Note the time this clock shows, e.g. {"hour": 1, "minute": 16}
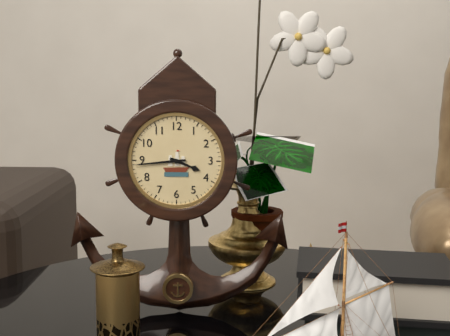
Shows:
{"hour": 3, "minute": 44}
